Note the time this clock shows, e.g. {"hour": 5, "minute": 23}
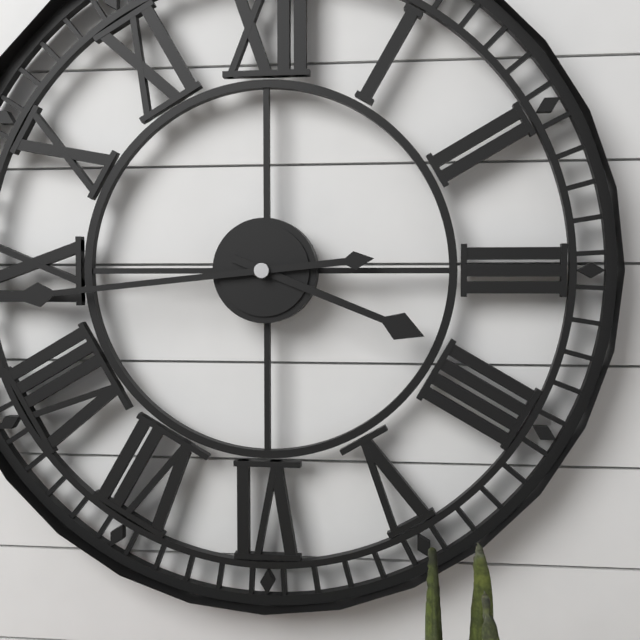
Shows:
{"hour": 3, "minute": 44}
